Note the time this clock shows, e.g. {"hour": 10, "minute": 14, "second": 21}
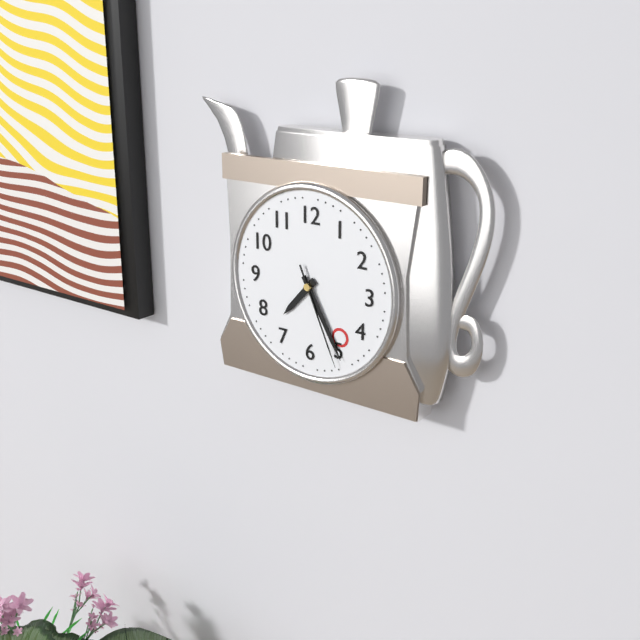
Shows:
{"hour": 7, "minute": 25, "second": 26}
